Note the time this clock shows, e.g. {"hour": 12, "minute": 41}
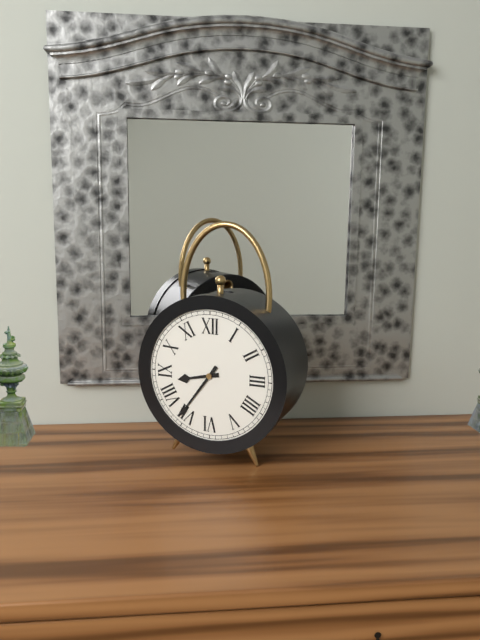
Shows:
{"hour": 8, "minute": 36}
